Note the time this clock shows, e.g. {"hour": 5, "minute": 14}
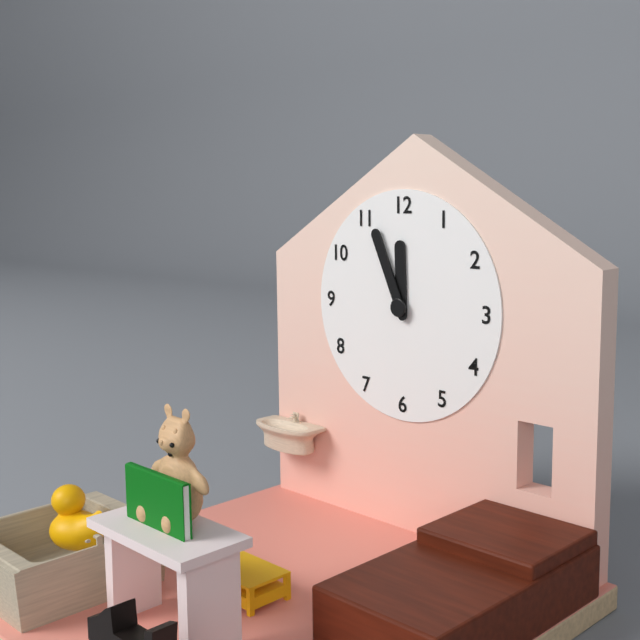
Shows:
{"hour": 11, "minute": 56}
